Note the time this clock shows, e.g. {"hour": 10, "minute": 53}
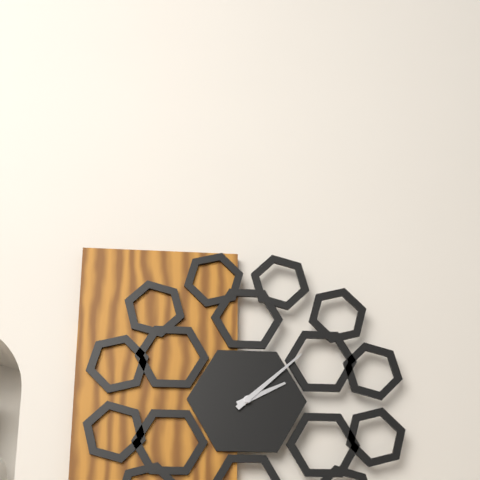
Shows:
{"hour": 2, "minute": 8}
